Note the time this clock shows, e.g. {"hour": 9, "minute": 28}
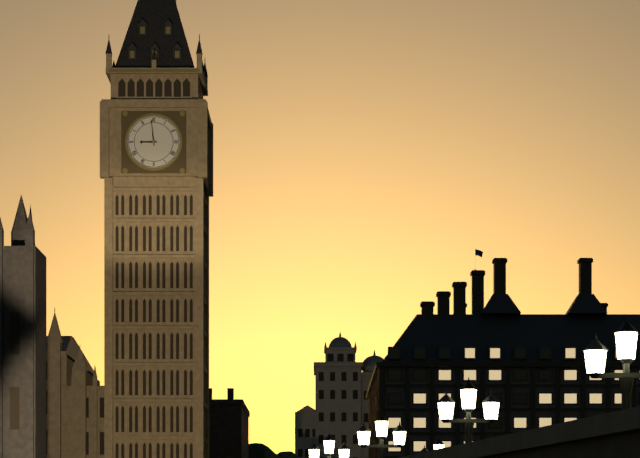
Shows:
{"hour": 8, "minute": 59}
